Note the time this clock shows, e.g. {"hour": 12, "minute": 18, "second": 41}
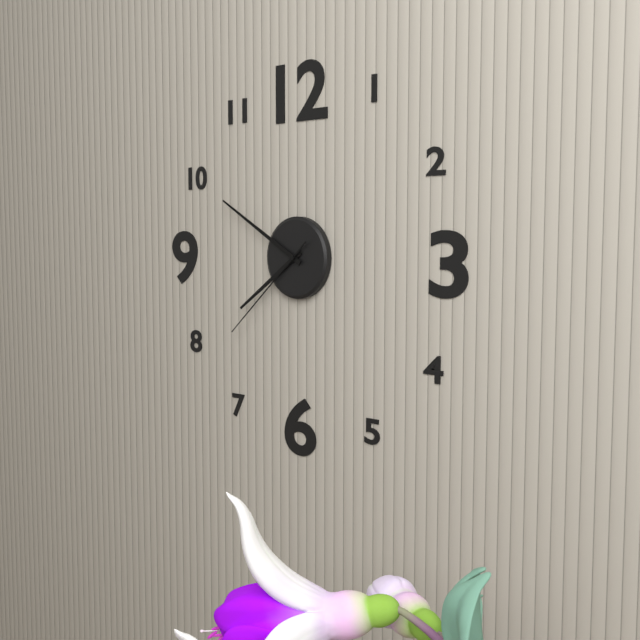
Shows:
{"hour": 7, "minute": 50, "second": 38}
